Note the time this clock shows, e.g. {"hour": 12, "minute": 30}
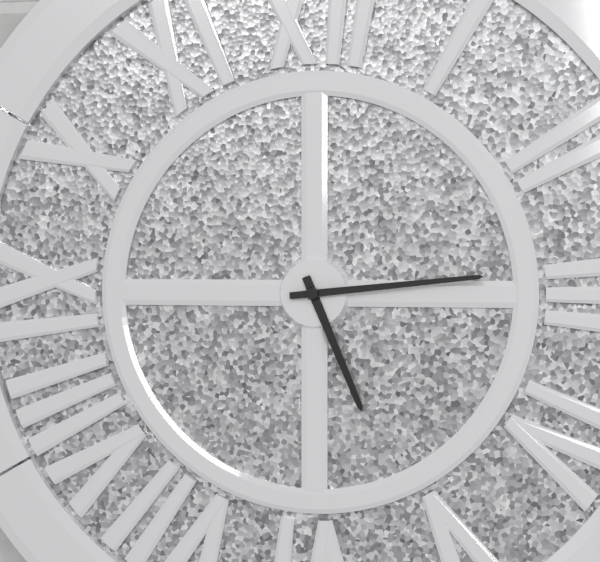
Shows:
{"hour": 5, "minute": 14}
